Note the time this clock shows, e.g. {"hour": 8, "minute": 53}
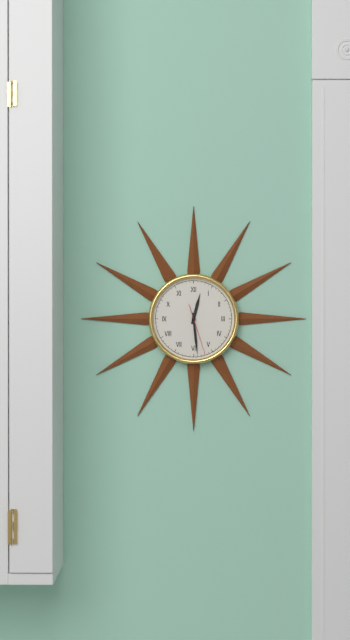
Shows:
{"hour": 12, "minute": 29}
